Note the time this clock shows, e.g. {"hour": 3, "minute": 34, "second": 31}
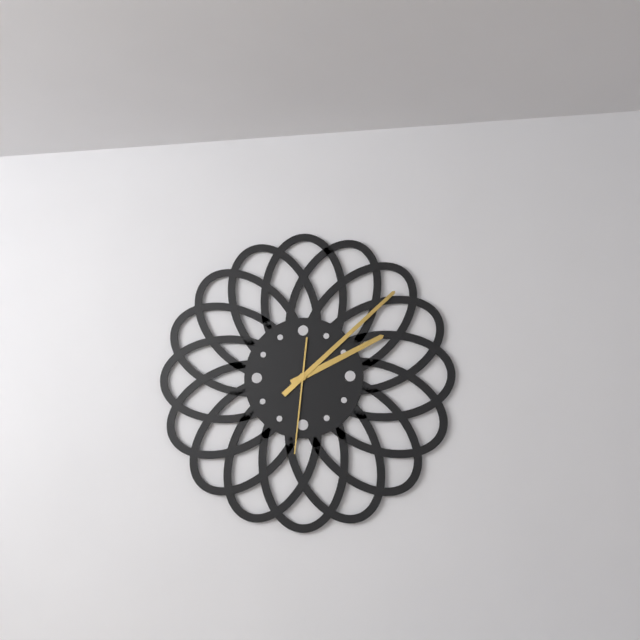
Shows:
{"hour": 2, "minute": 8, "second": 31}
